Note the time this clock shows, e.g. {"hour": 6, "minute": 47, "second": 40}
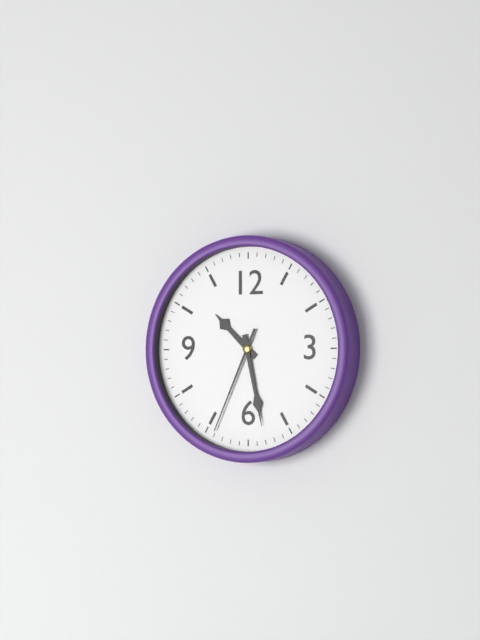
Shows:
{"hour": 10, "minute": 28, "second": 34}
